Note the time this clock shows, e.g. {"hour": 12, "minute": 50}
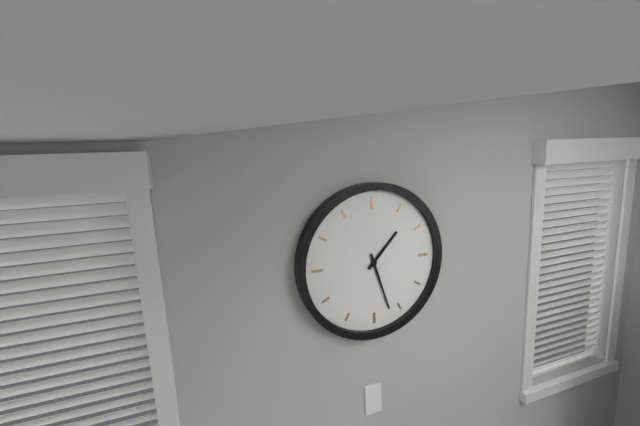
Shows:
{"hour": 1, "minute": 27}
